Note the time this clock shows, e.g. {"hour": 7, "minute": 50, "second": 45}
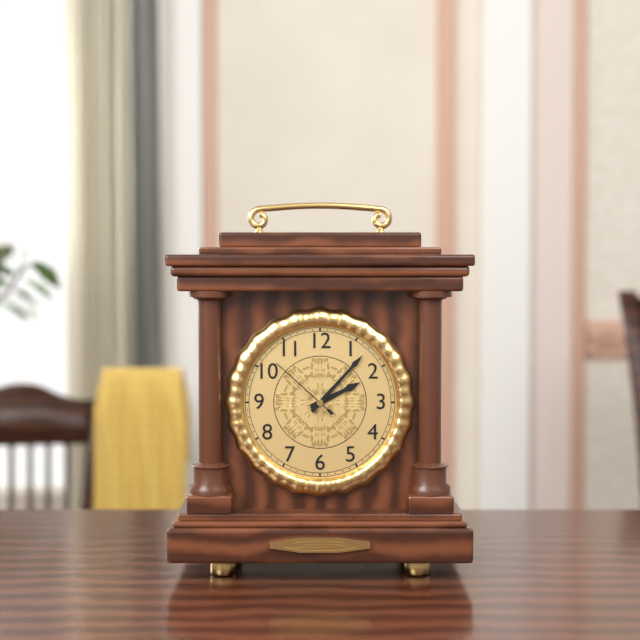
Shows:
{"hour": 2, "minute": 7, "second": 52}
